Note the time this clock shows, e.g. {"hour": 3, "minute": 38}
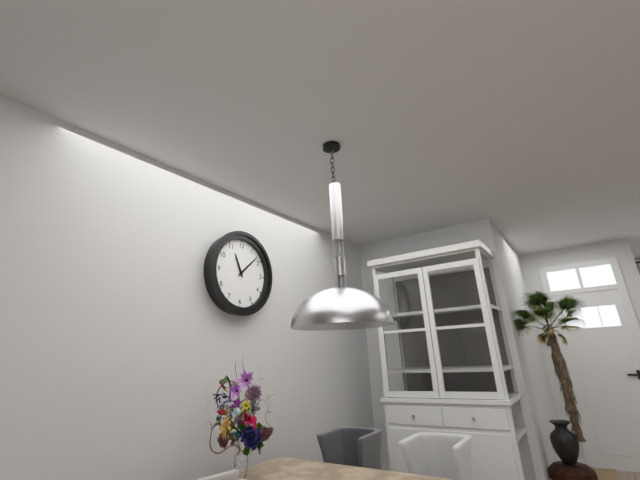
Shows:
{"hour": 11, "minute": 8}
